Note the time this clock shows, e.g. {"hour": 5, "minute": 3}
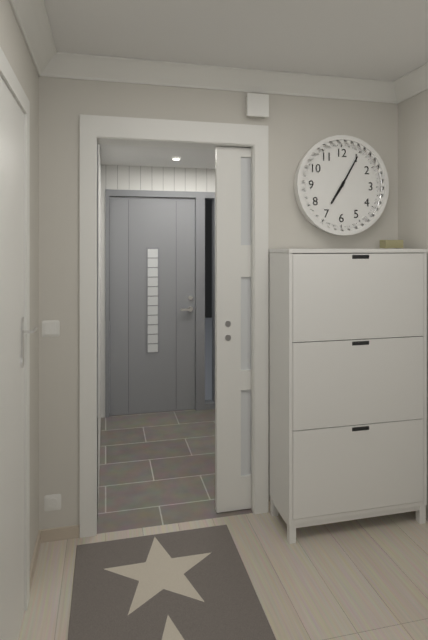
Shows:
{"hour": 7, "minute": 5}
